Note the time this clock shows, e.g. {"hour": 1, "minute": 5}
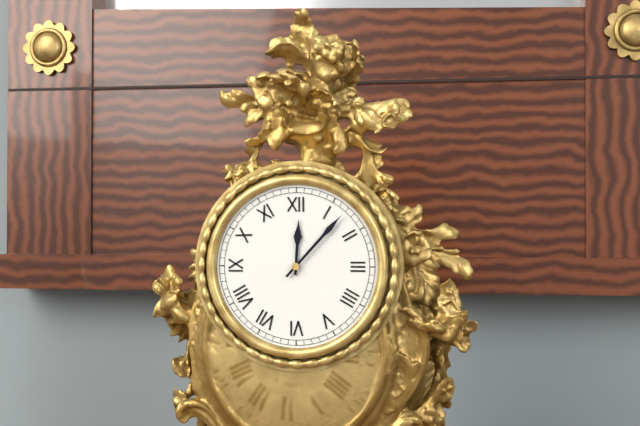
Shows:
{"hour": 12, "minute": 7}
